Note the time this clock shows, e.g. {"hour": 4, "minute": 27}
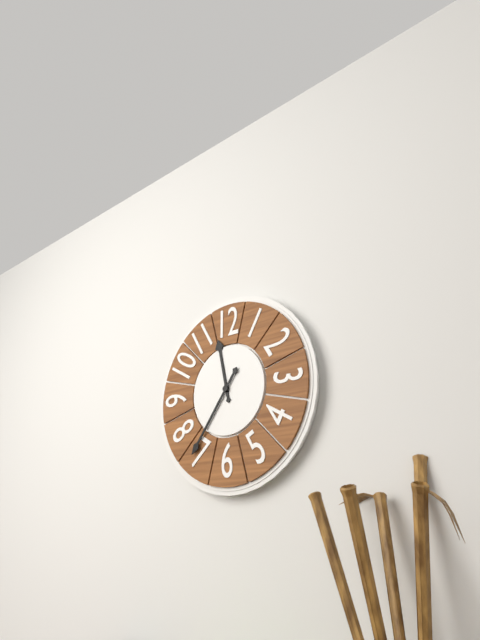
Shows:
{"hour": 11, "minute": 36}
